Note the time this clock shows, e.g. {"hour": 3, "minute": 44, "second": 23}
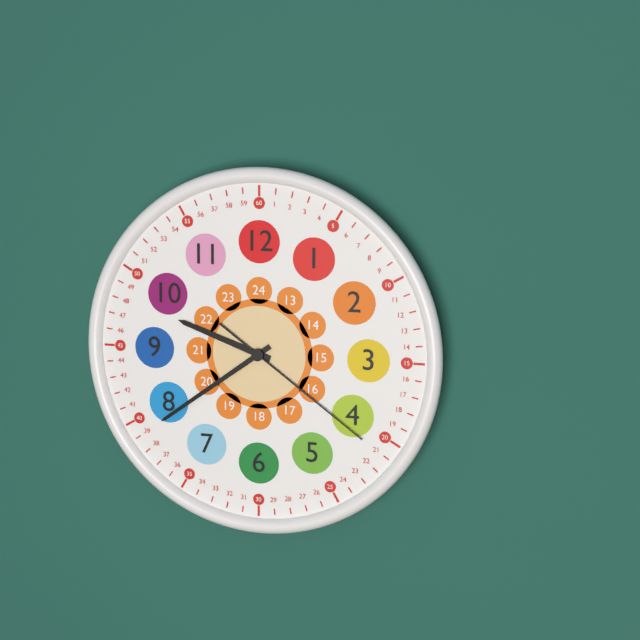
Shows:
{"hour": 9, "minute": 39, "second": 21}
